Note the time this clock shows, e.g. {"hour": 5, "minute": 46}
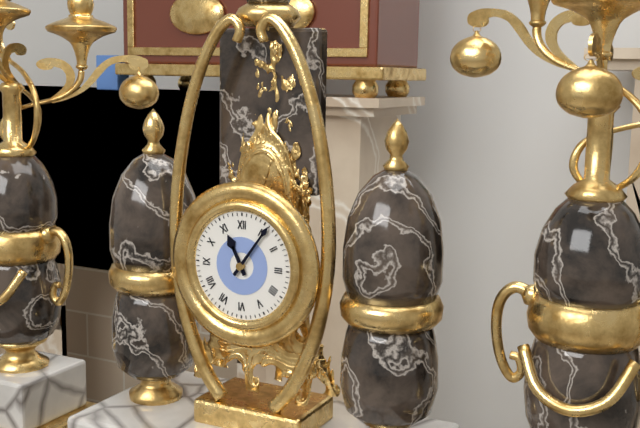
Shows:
{"hour": 11, "minute": 6}
